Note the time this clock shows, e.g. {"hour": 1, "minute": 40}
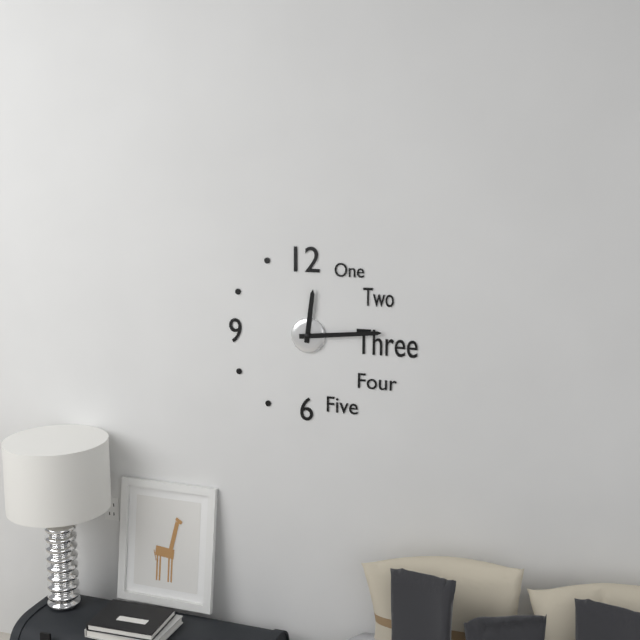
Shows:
{"hour": 12, "minute": 14}
